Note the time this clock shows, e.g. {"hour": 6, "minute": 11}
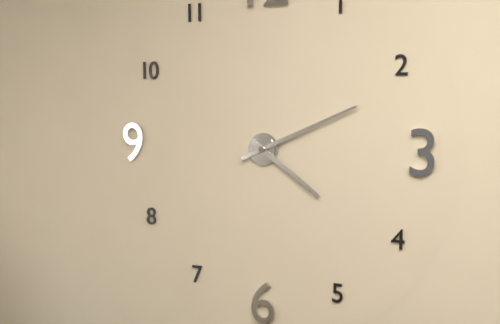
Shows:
{"hour": 4, "minute": 11}
